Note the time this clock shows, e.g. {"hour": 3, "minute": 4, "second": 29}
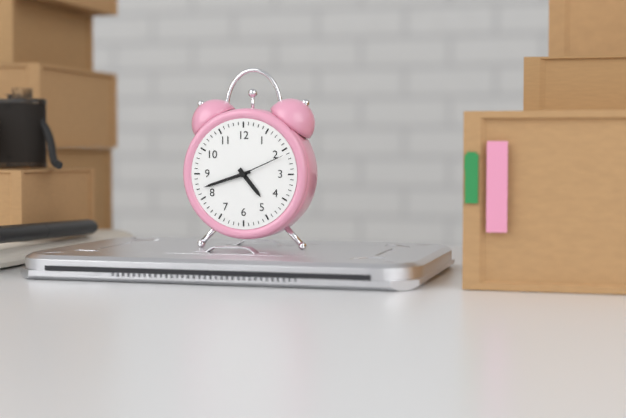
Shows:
{"hour": 4, "minute": 42, "second": 11}
